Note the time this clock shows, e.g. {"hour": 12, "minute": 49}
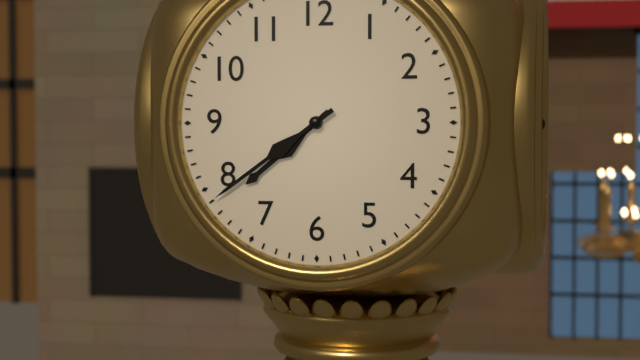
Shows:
{"hour": 7, "minute": 39}
